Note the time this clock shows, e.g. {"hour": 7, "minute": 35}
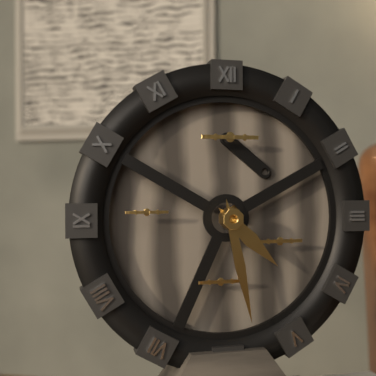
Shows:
{"hour": 4, "minute": 28}
